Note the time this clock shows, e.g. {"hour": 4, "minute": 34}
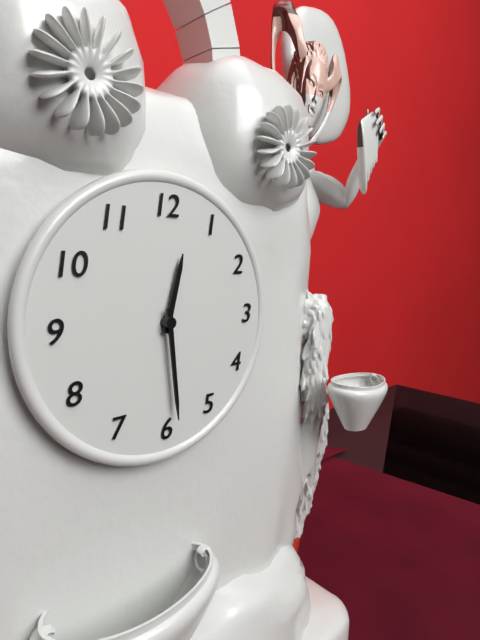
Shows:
{"hour": 12, "minute": 29}
